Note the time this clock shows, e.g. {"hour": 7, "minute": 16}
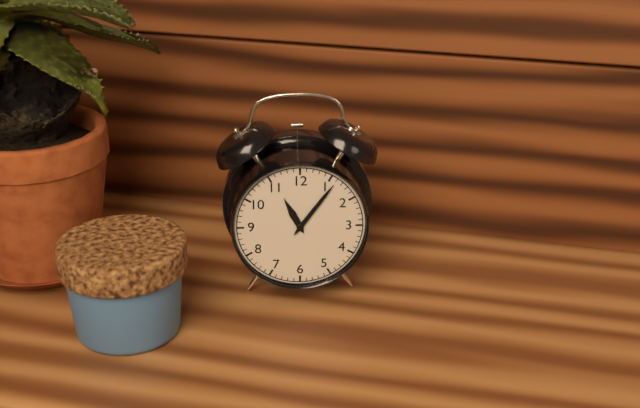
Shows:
{"hour": 11, "minute": 6}
